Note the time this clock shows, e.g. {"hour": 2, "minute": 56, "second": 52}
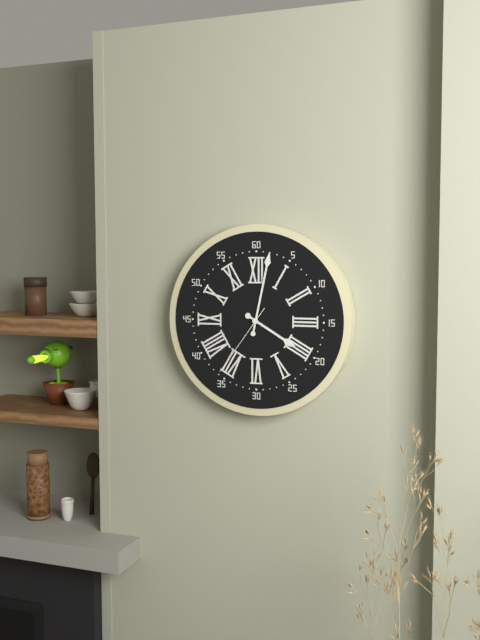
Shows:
{"hour": 4, "minute": 2, "second": 36}
